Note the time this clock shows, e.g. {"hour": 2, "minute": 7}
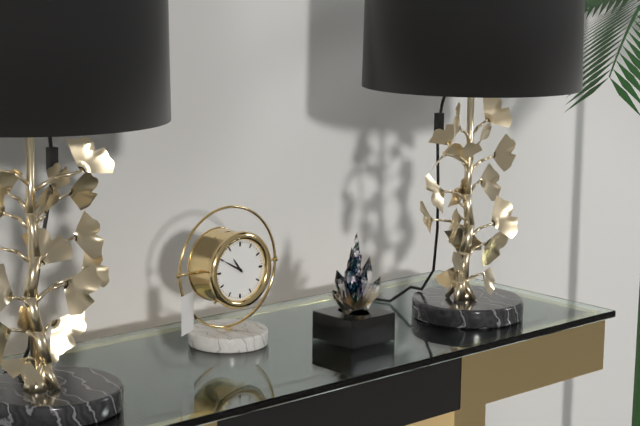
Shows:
{"hour": 10, "minute": 50}
